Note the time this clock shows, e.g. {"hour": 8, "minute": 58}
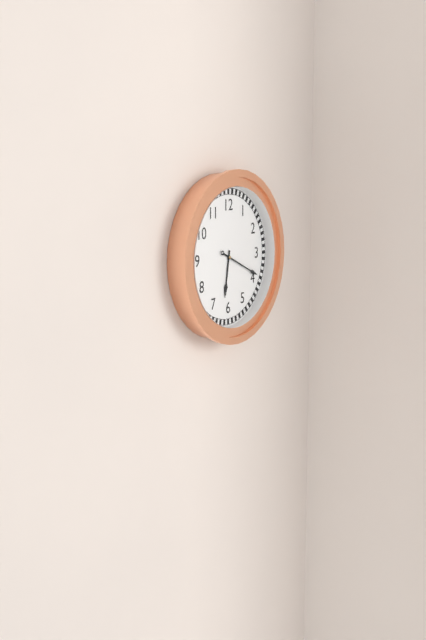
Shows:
{"hour": 6, "minute": 19}
